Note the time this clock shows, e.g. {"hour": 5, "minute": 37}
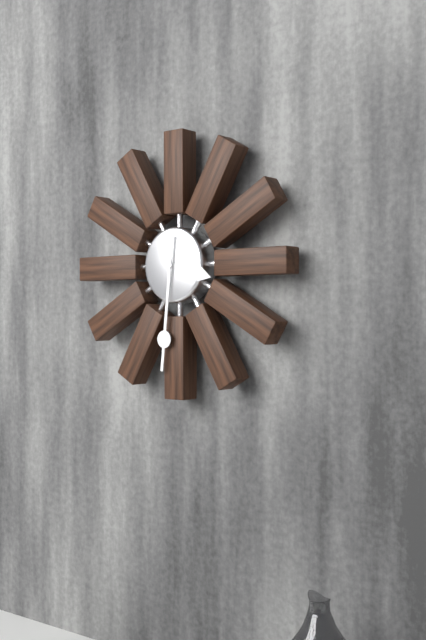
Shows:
{"hour": 3, "minute": 31}
